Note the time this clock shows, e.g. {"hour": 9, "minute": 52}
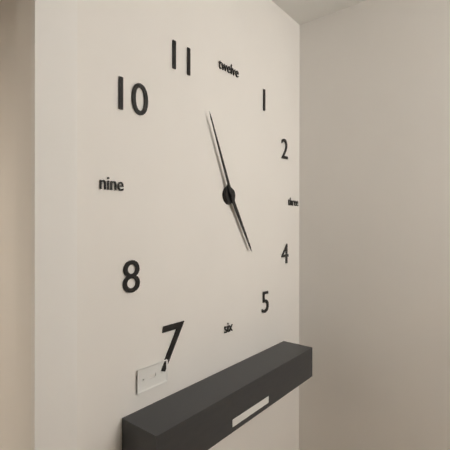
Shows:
{"hour": 4, "minute": 56}
